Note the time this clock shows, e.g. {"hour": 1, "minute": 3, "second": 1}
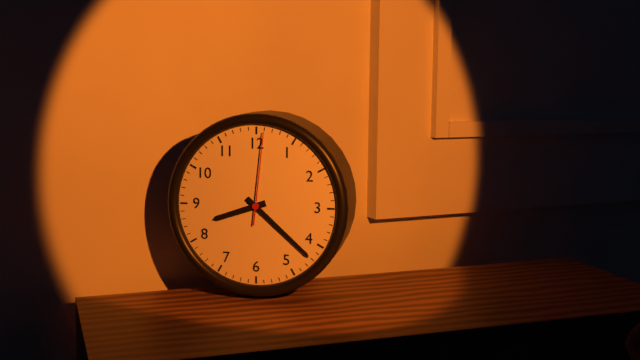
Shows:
{"hour": 8, "minute": 22, "second": 1}
